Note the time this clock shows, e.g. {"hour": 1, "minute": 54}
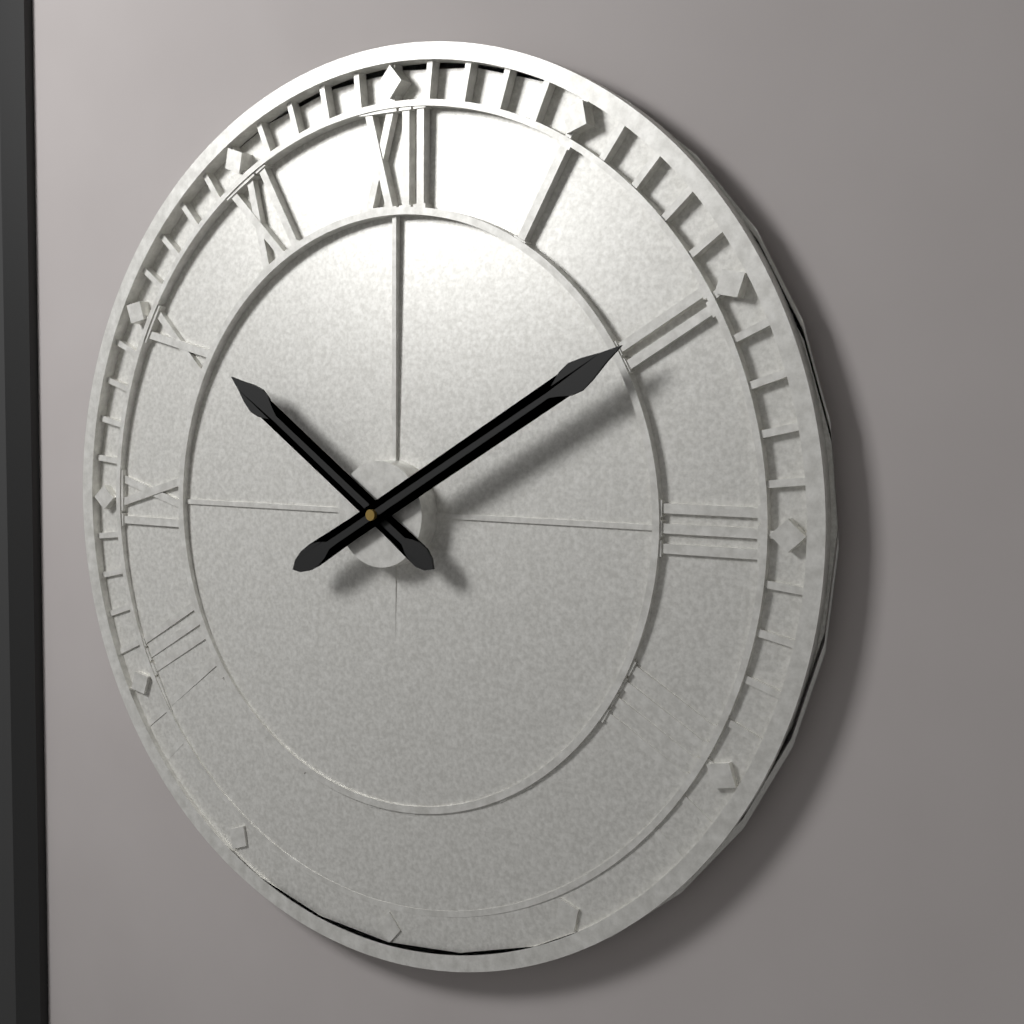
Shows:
{"hour": 10, "minute": 10}
